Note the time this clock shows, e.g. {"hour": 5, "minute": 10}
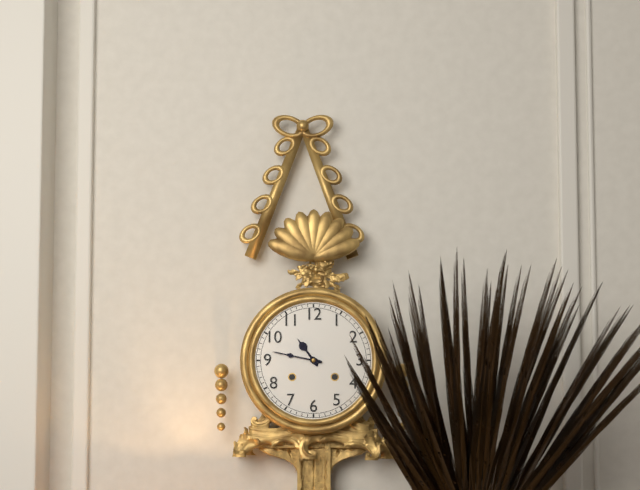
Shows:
{"hour": 10, "minute": 47}
